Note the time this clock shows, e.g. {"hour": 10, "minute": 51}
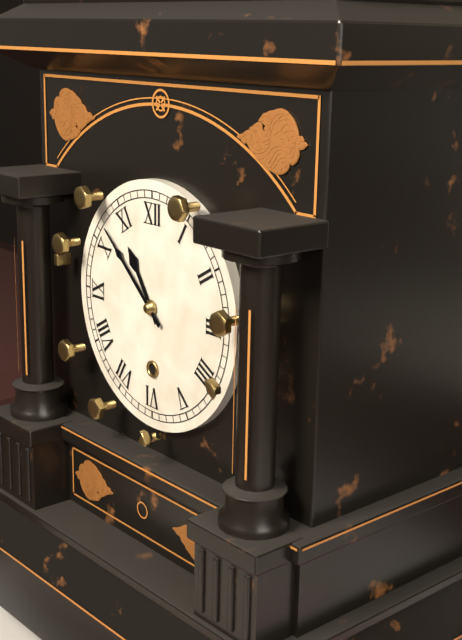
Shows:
{"hour": 10, "minute": 52}
